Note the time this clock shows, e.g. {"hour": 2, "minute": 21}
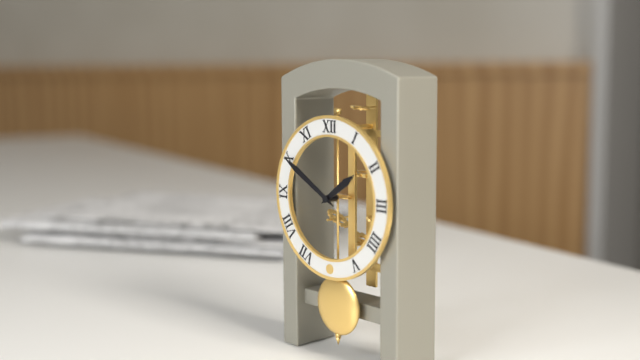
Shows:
{"hour": 1, "minute": 50}
